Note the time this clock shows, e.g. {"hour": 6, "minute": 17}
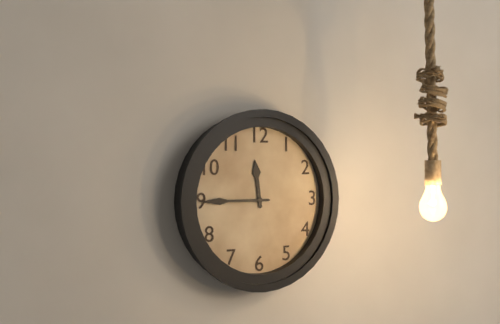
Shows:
{"hour": 11, "minute": 45}
